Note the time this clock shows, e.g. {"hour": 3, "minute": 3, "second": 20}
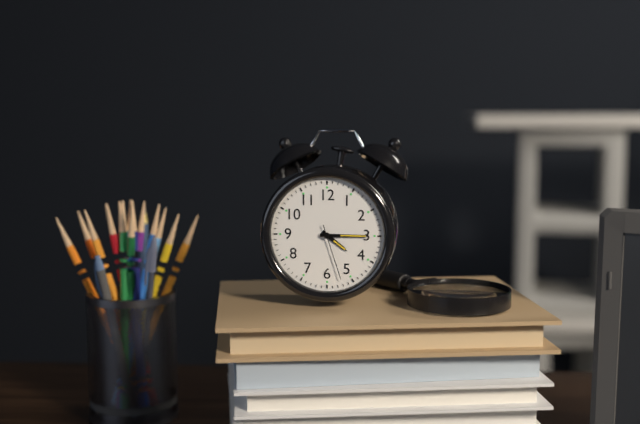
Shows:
{"hour": 4, "minute": 15, "second": 27}
